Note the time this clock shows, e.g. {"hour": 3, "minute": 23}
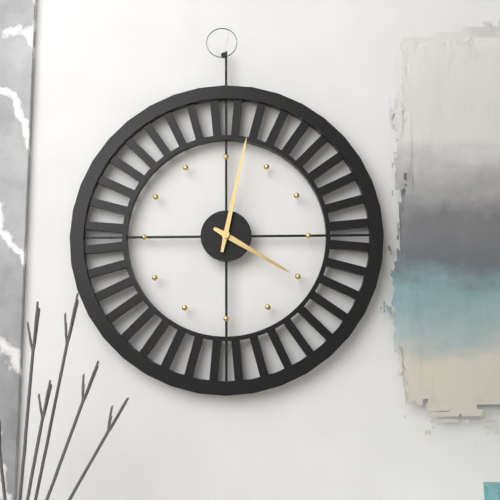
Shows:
{"hour": 4, "minute": 2}
